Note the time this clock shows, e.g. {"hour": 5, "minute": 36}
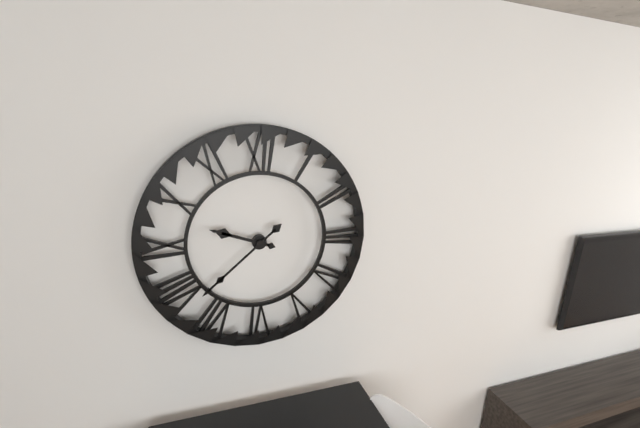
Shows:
{"hour": 9, "minute": 38}
